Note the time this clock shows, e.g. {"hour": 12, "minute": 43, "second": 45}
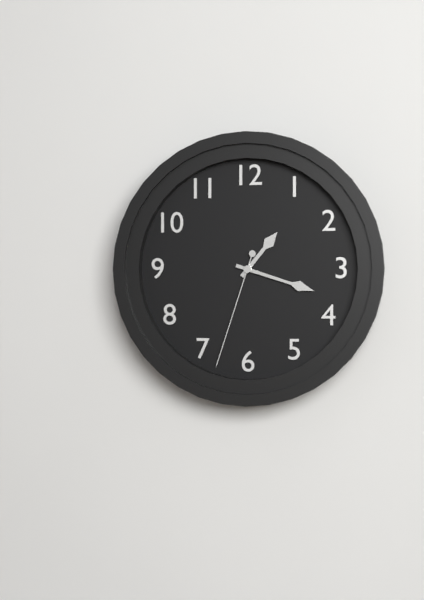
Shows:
{"hour": 1, "minute": 18, "second": 33}
